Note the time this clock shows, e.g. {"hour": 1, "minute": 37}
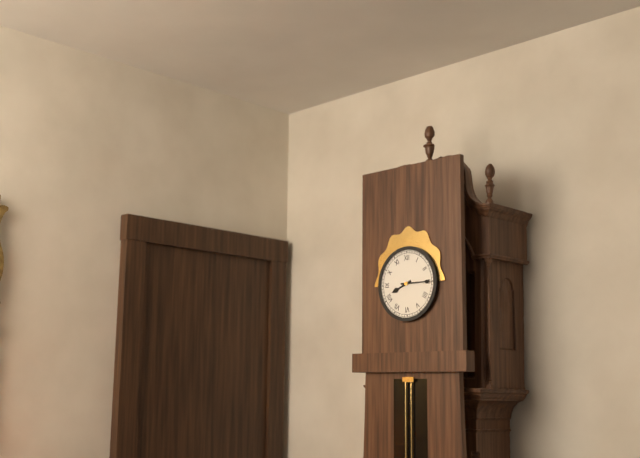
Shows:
{"hour": 8, "minute": 15}
